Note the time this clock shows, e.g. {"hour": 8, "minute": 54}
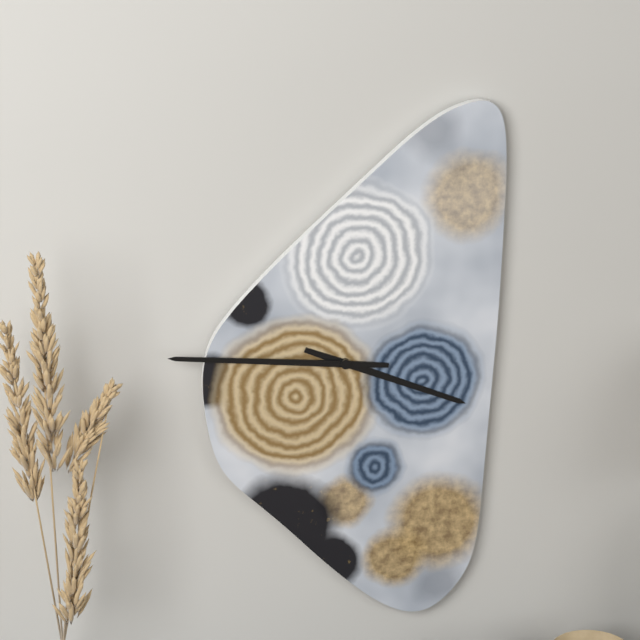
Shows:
{"hour": 3, "minute": 46}
